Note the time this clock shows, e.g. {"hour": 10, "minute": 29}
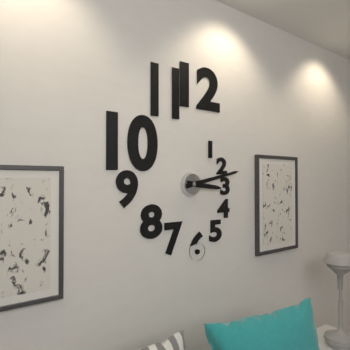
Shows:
{"hour": 3, "minute": 13}
